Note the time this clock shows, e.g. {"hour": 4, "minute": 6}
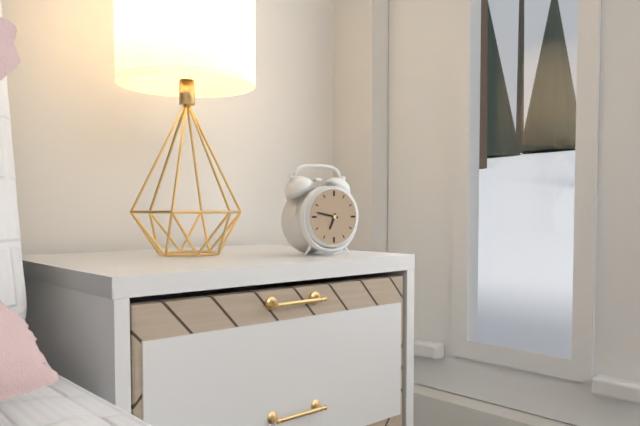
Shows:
{"hour": 6, "minute": 47}
